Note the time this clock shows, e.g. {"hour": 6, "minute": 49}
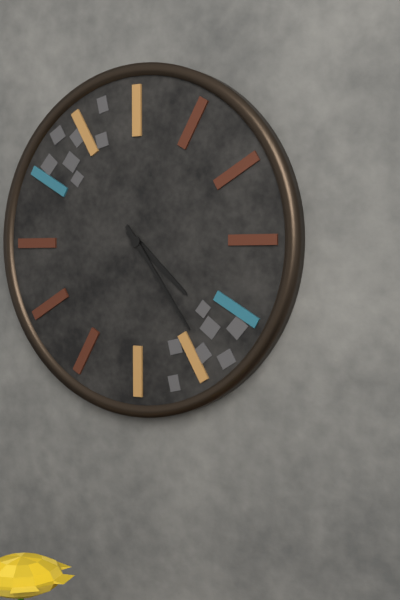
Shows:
{"hour": 4, "minute": 24}
